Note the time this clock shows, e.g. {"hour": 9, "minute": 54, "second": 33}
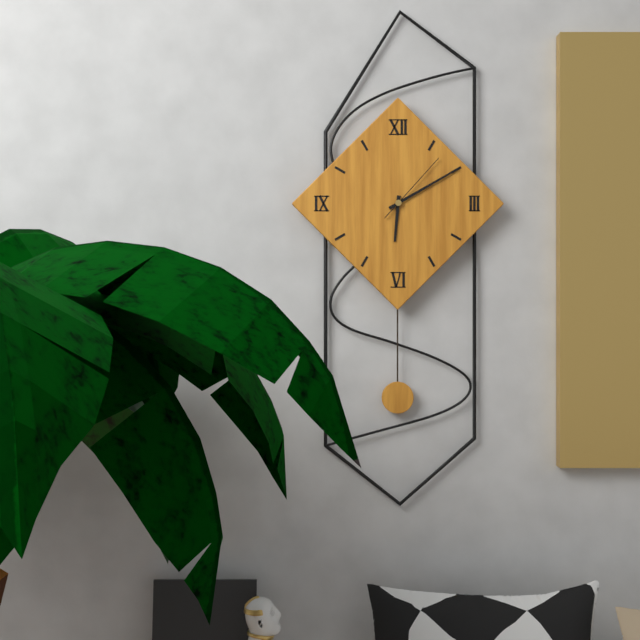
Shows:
{"hour": 6, "minute": 10, "second": 7}
